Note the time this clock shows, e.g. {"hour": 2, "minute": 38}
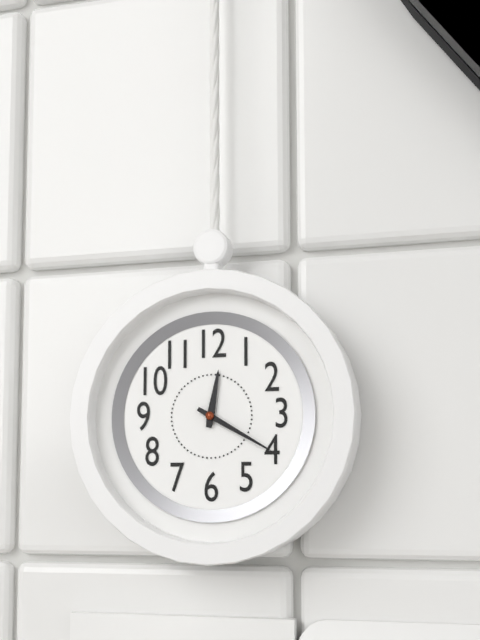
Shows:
{"hour": 12, "minute": 20}
